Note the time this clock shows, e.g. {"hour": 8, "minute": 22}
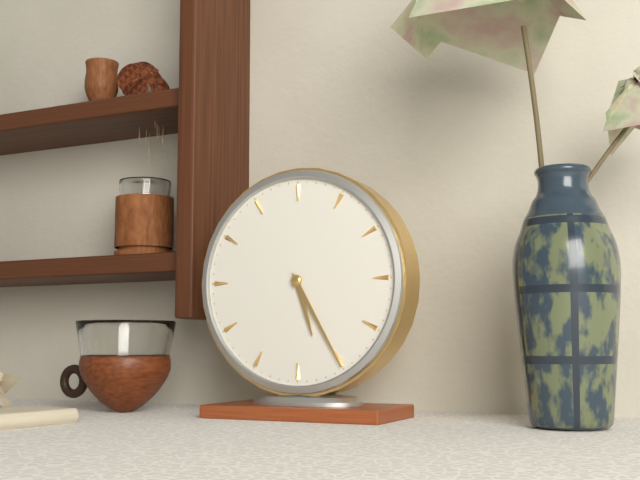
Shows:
{"hour": 5, "minute": 25}
